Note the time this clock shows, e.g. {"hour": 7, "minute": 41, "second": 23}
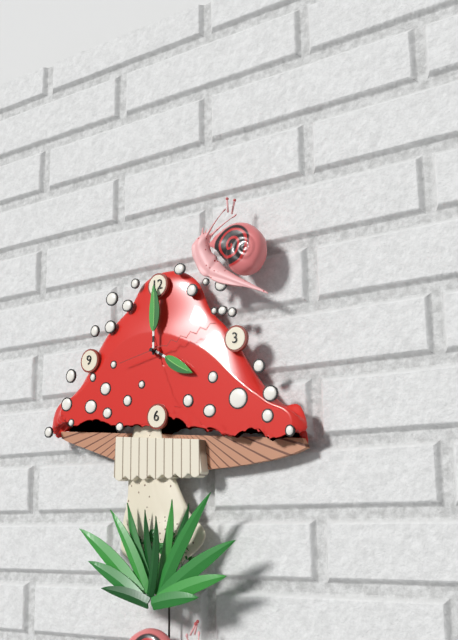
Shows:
{"hour": 4, "minute": 0, "second": 13}
